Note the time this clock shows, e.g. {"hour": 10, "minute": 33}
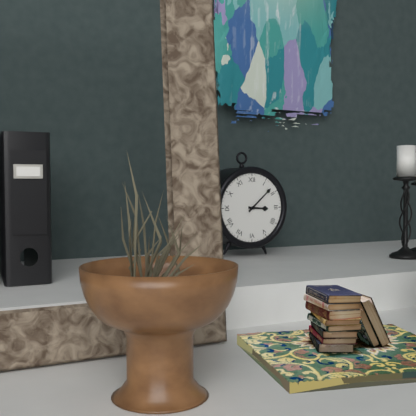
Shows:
{"hour": 3, "minute": 8}
